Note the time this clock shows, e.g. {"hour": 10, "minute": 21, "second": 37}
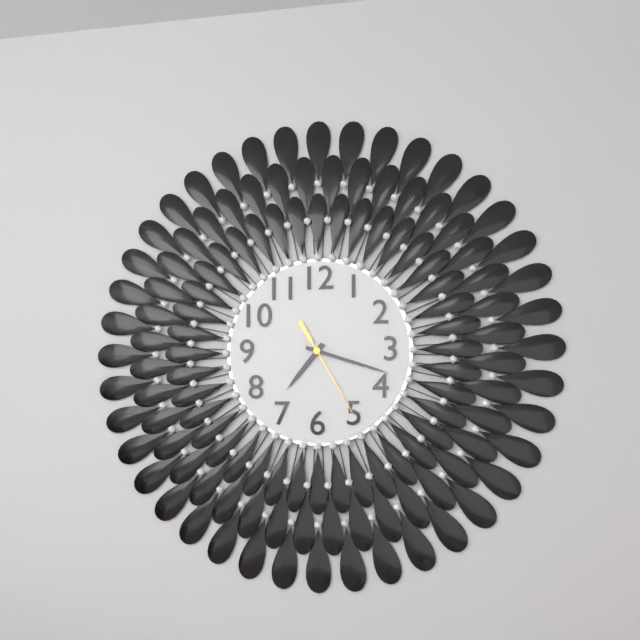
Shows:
{"hour": 7, "minute": 18, "second": 25}
